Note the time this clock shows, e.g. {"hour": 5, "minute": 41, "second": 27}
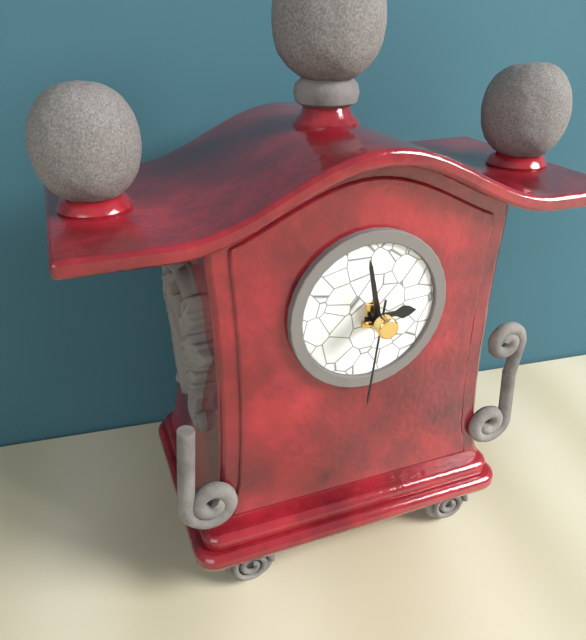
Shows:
{"hour": 2, "minute": 58, "second": 31}
